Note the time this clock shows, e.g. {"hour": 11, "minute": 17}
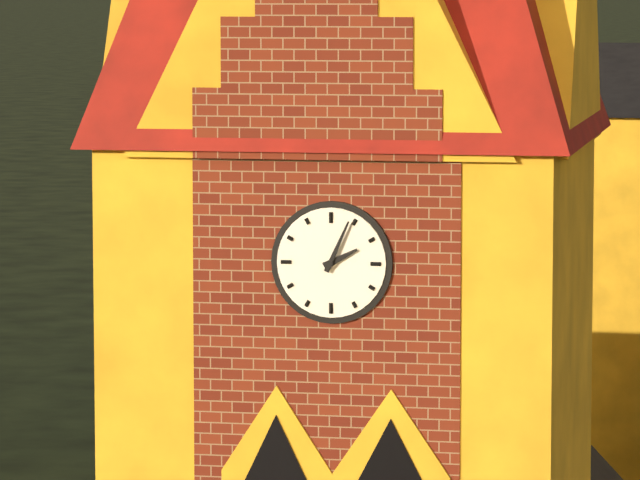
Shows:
{"hour": 2, "minute": 4}
